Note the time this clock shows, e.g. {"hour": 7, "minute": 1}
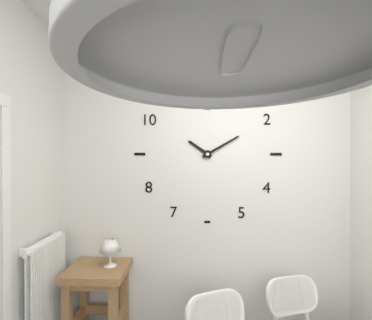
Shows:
{"hour": 10, "minute": 10}
